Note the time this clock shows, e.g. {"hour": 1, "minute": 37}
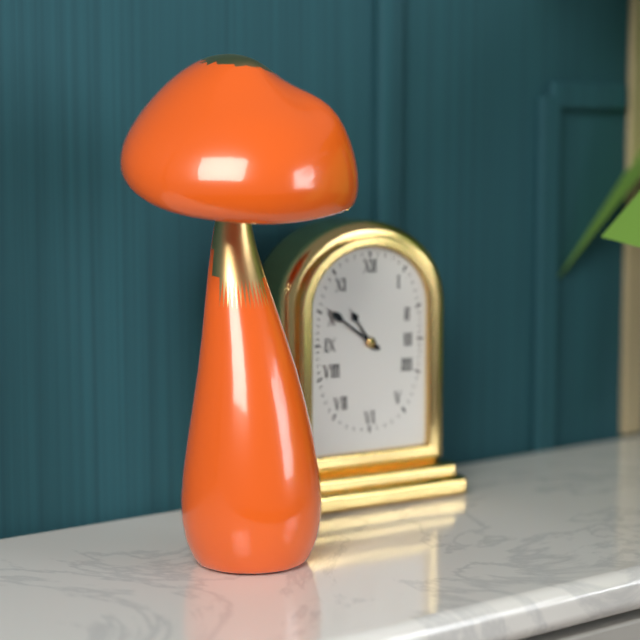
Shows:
{"hour": 10, "minute": 51}
